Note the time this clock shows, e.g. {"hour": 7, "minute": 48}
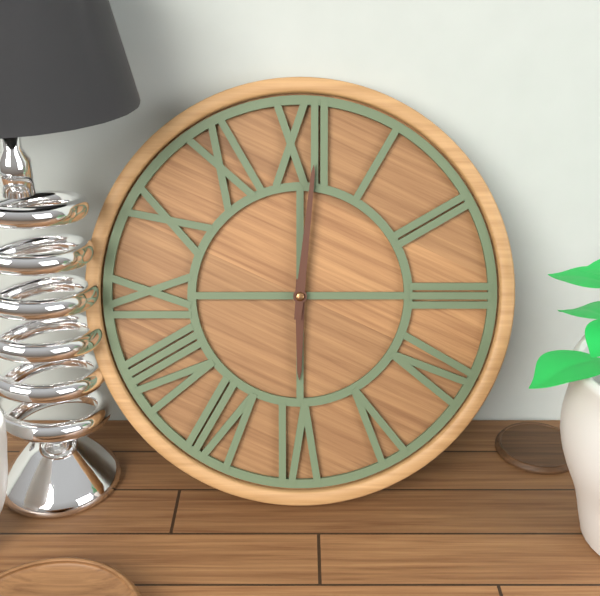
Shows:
{"hour": 6, "minute": 1}
